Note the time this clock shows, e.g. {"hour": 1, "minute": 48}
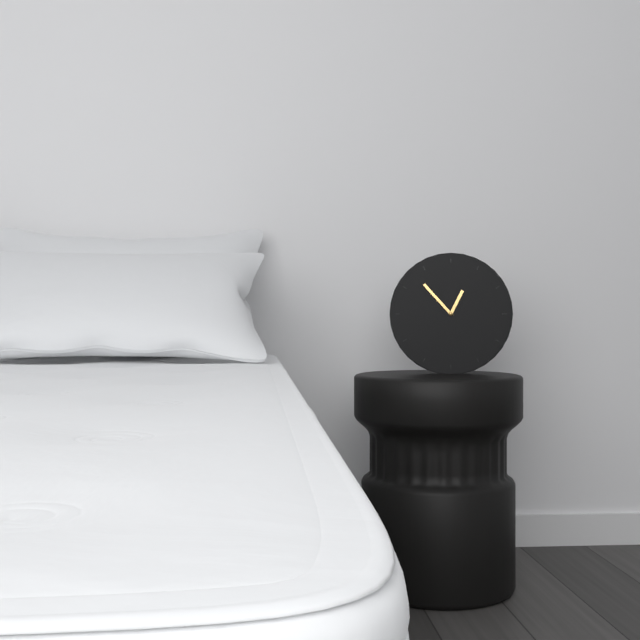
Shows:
{"hour": 12, "minute": 53}
